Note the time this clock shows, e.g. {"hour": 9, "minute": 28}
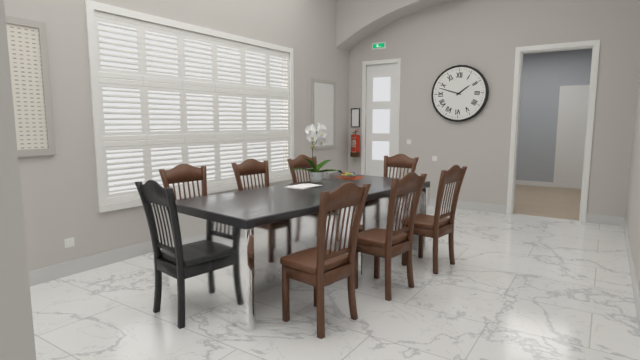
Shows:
{"hour": 1, "minute": 48}
